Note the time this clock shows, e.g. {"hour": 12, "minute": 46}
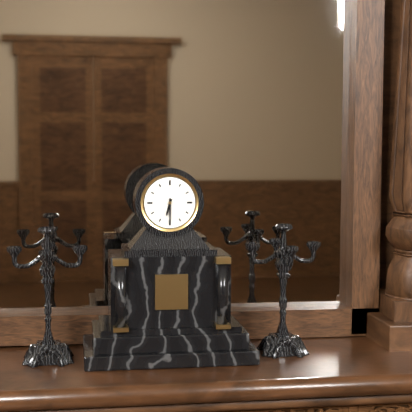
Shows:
{"hour": 6, "minute": 30}
